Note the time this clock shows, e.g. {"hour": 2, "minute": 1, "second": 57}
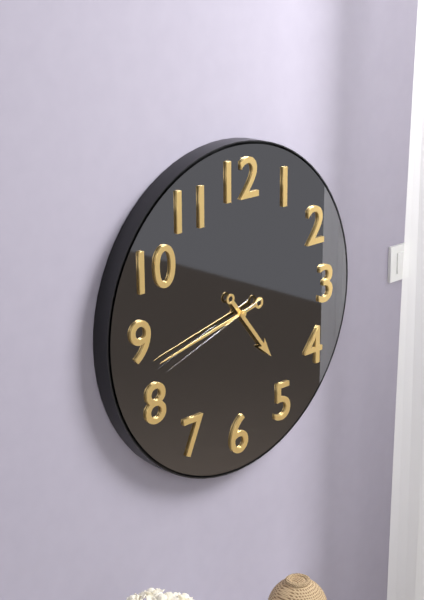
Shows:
{"hour": 4, "minute": 43, "second": 42}
